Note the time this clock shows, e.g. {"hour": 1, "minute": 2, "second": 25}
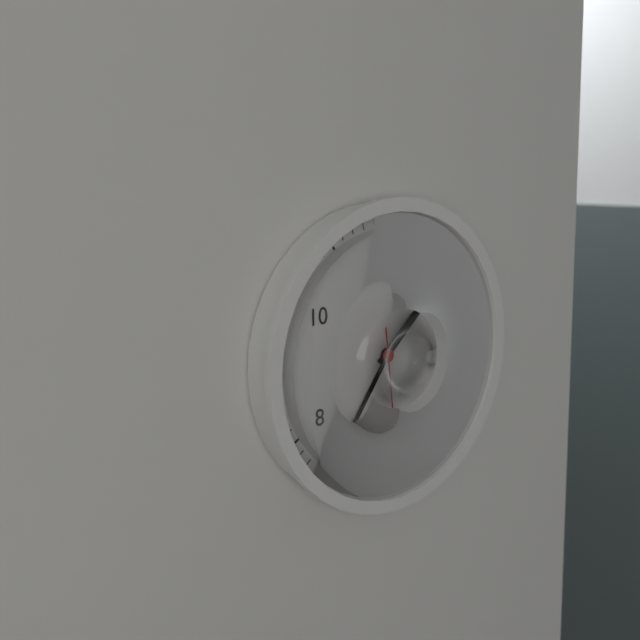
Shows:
{"hour": 1, "minute": 36, "second": 29}
